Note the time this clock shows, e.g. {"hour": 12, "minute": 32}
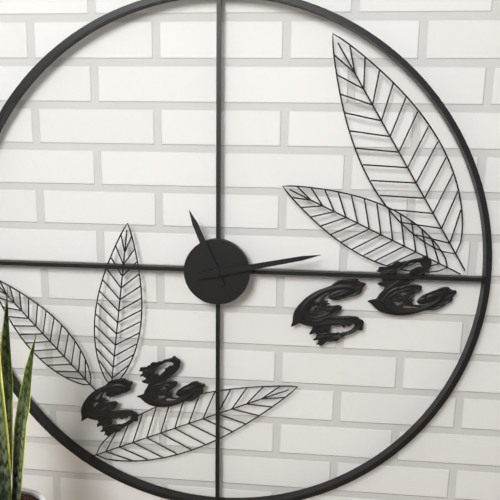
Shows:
{"hour": 11, "minute": 13}
